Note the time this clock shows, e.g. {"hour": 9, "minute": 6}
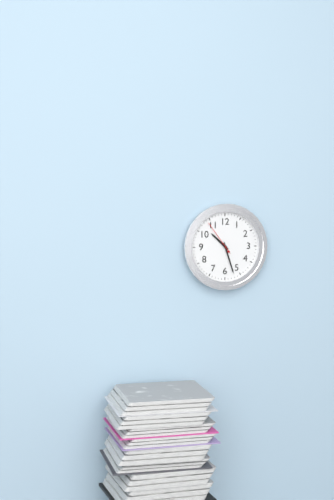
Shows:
{"hour": 10, "minute": 27}
